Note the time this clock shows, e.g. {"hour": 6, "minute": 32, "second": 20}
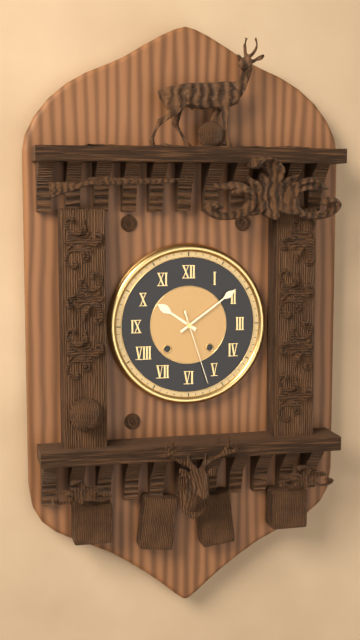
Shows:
{"hour": 10, "minute": 9, "second": 27}
